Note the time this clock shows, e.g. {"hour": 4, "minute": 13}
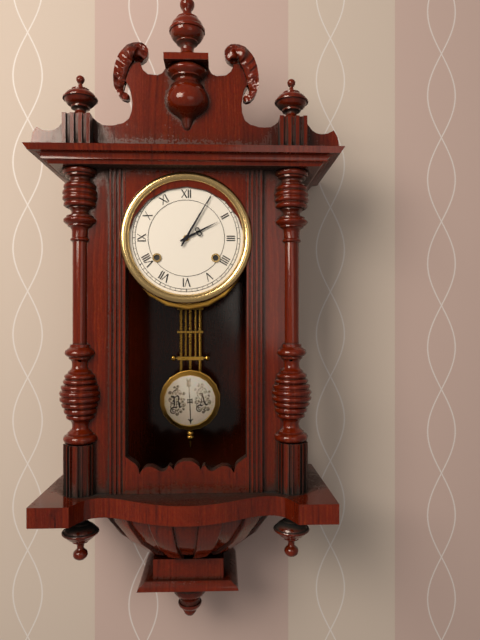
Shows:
{"hour": 2, "minute": 5}
